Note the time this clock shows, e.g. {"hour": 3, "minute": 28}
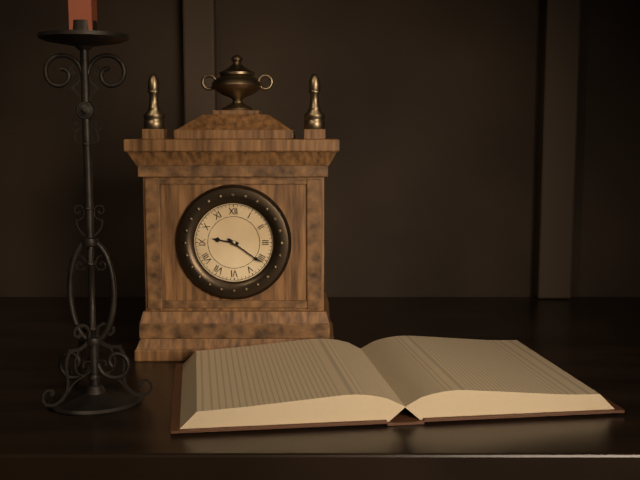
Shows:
{"hour": 9, "minute": 21}
